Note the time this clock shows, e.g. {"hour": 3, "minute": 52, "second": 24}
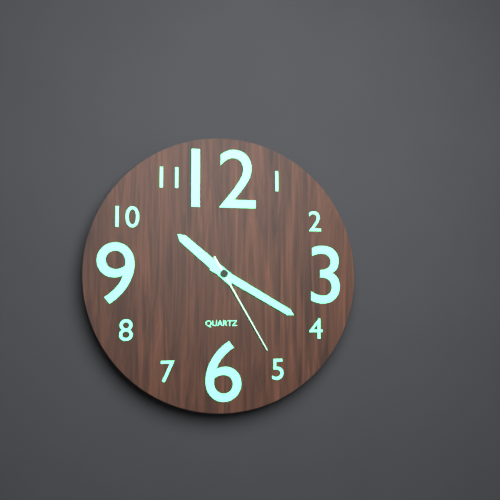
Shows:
{"hour": 10, "minute": 20, "second": 25}
